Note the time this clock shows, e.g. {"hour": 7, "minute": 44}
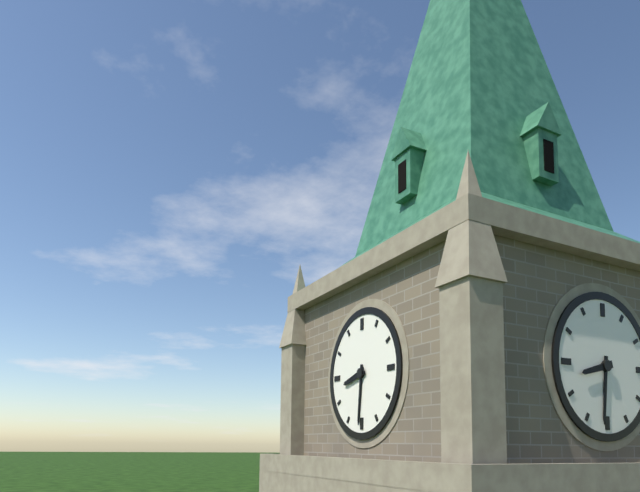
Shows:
{"hour": 8, "minute": 31}
